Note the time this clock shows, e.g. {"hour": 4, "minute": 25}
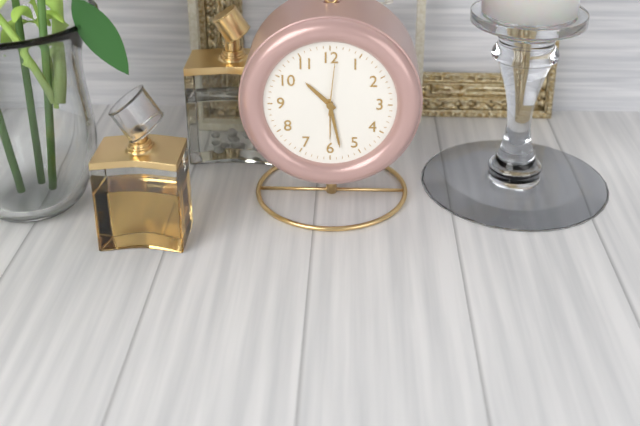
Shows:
{"hour": 10, "minute": 28}
